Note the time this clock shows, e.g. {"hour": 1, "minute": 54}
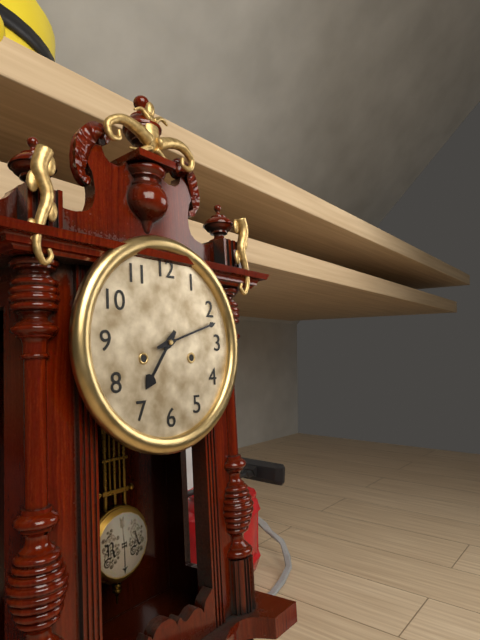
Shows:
{"hour": 7, "minute": 12}
